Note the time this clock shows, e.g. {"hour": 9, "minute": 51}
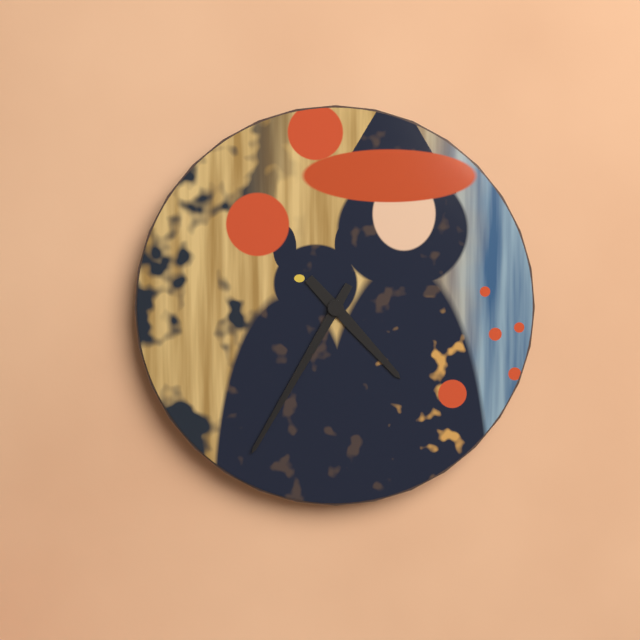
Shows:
{"hour": 4, "minute": 35}
